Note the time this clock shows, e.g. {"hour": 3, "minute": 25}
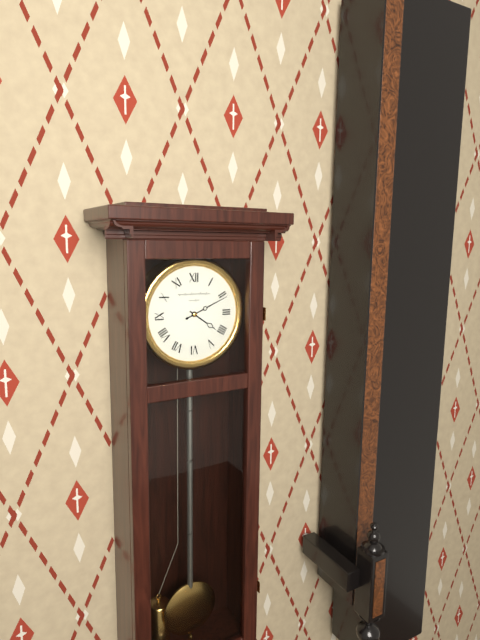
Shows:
{"hour": 4, "minute": 11}
